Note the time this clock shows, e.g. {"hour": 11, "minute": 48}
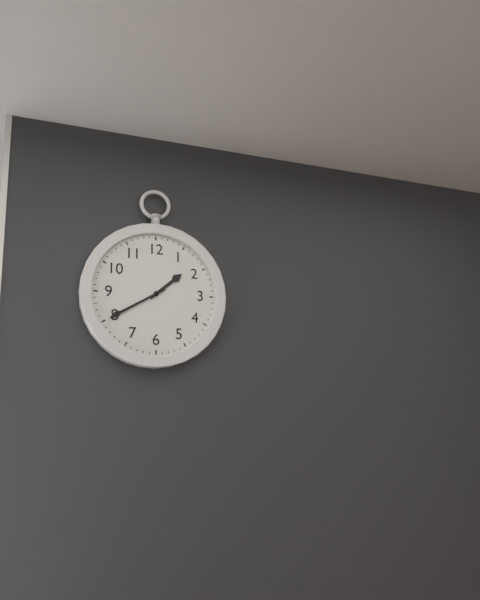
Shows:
{"hour": 1, "minute": 40}
